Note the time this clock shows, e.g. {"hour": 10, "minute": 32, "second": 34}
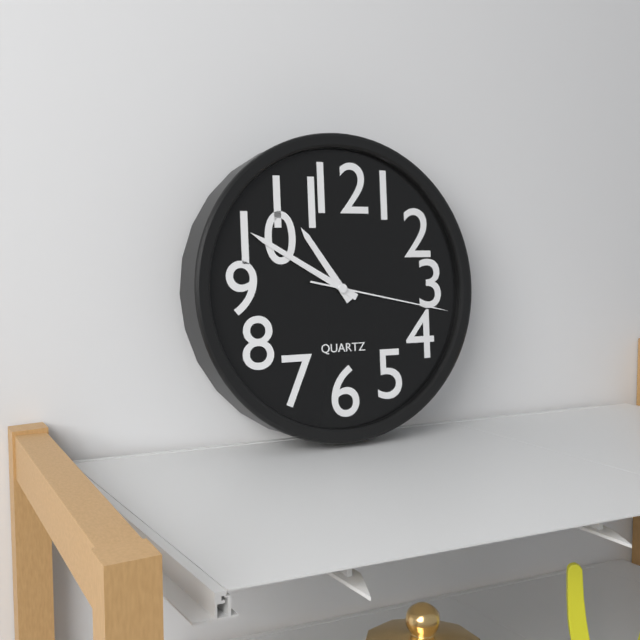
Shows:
{"hour": 10, "minute": 50, "second": 17}
